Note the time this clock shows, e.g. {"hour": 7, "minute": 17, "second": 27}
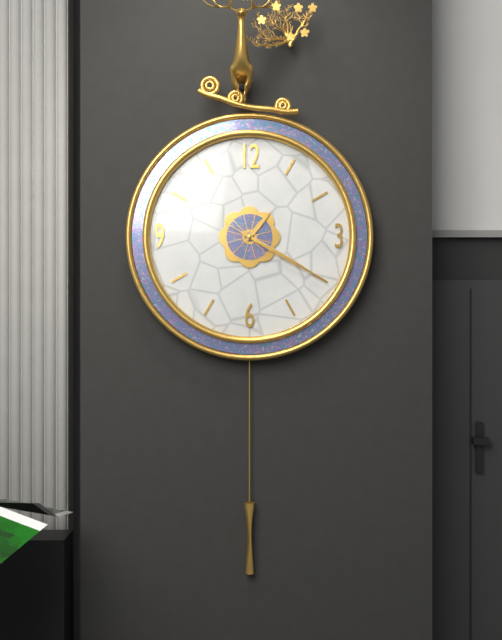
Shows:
{"hour": 1, "minute": 20, "second": 20}
